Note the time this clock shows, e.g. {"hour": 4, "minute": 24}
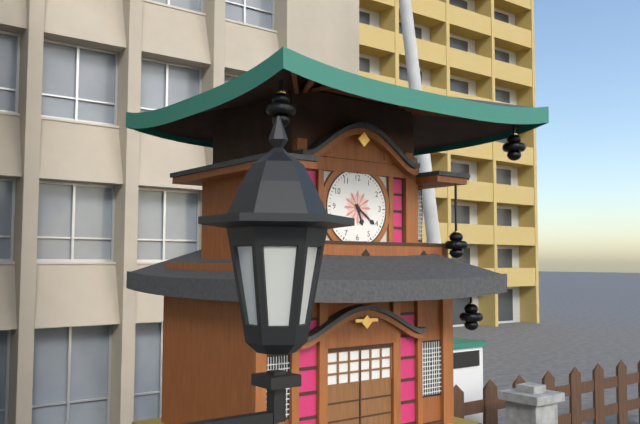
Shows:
{"hour": 5, "minute": 21}
